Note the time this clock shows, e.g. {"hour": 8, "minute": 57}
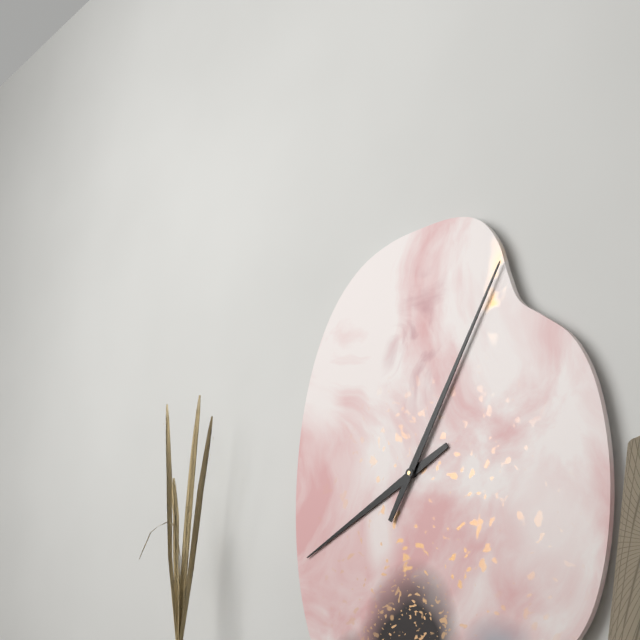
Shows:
{"hour": 8, "minute": 5}
